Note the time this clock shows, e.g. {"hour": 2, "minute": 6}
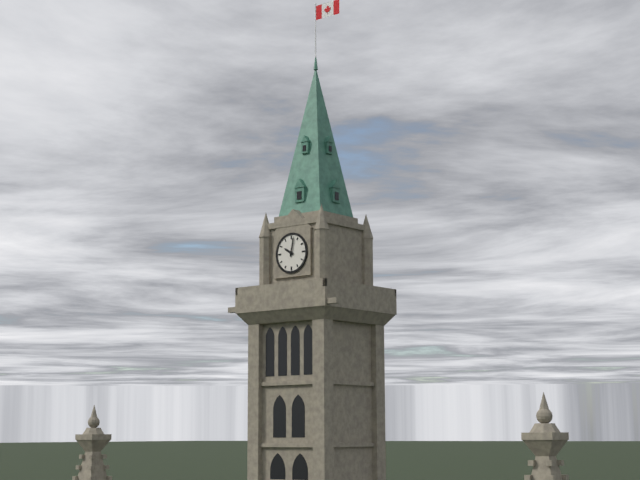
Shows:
{"hour": 10, "minute": 2}
